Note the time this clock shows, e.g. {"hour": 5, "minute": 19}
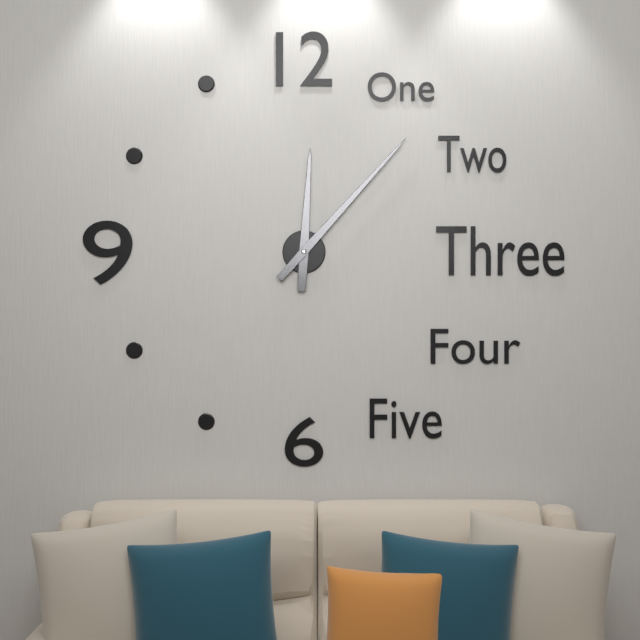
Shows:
{"hour": 12, "minute": 7}
